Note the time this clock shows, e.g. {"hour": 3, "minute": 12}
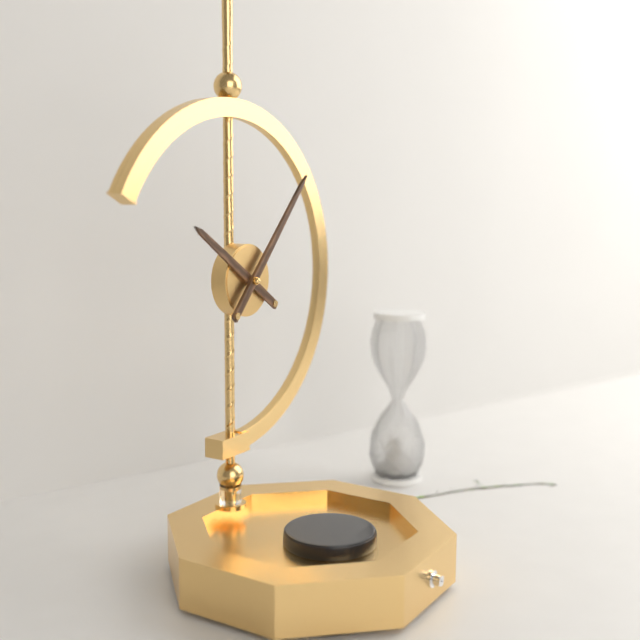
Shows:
{"hour": 10, "minute": 7}
